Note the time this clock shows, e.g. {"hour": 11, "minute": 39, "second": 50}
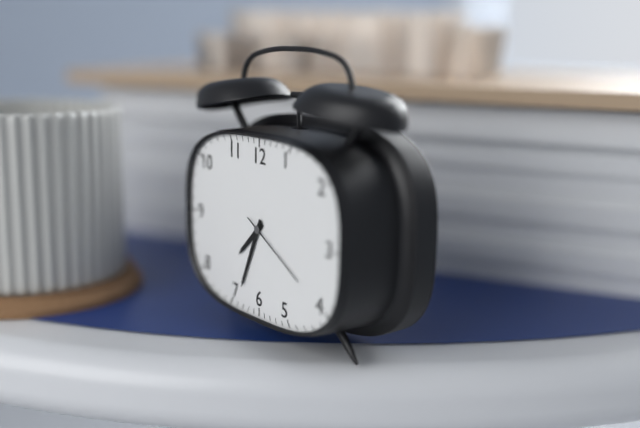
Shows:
{"hour": 7, "minute": 34, "second": 20}
